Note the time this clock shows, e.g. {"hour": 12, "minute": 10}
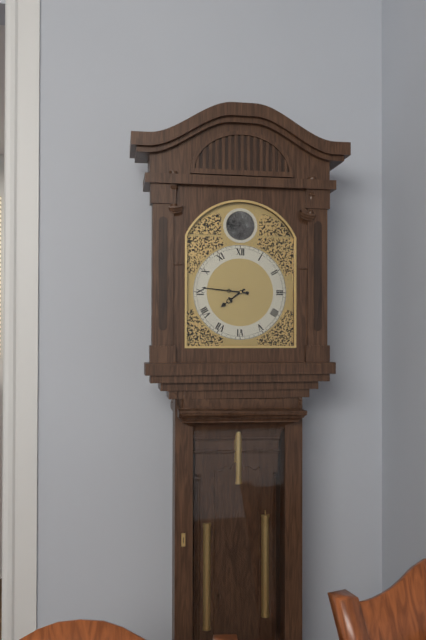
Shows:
{"hour": 7, "minute": 46}
